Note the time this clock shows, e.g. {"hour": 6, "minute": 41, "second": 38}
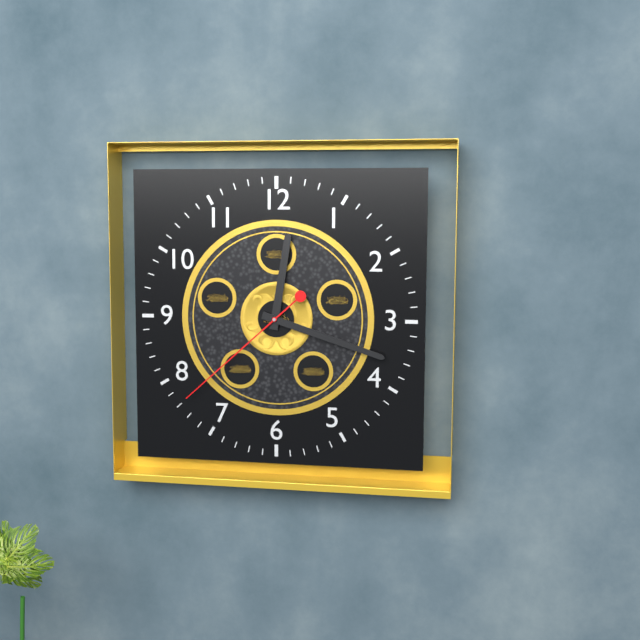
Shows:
{"hour": 12, "minute": 18, "second": 38}
